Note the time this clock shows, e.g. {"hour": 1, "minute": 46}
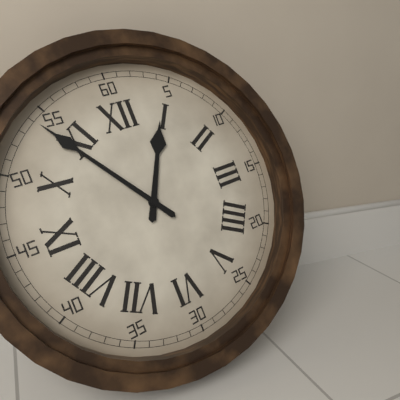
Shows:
{"hour": 12, "minute": 54}
